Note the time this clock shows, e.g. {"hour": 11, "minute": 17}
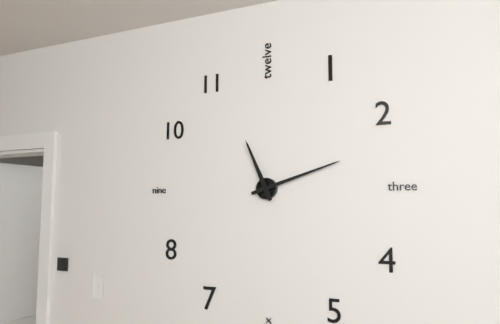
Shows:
{"hour": 11, "minute": 12}
